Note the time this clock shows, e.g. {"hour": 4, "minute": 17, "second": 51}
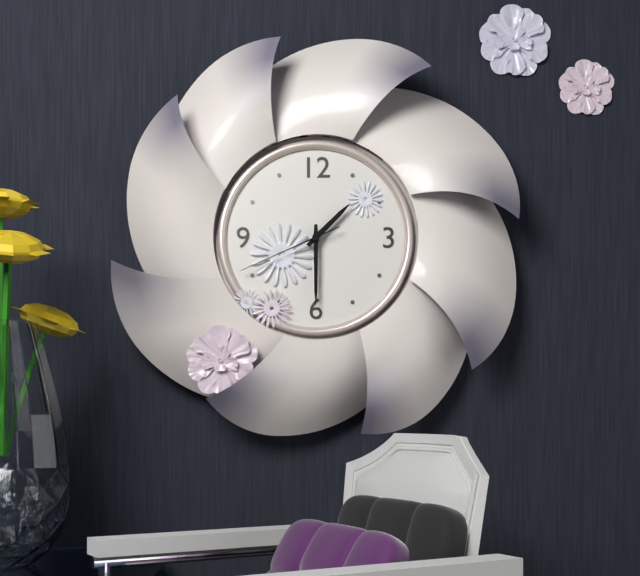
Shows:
{"hour": 1, "minute": 30, "second": 41}
